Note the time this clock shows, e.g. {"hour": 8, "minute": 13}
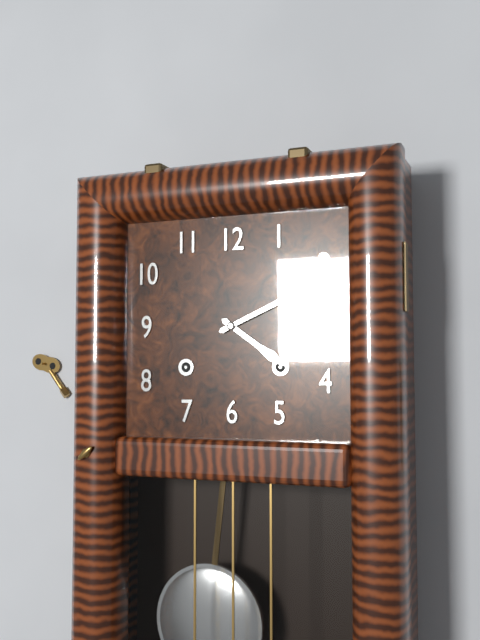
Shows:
{"hour": 4, "minute": 11}
